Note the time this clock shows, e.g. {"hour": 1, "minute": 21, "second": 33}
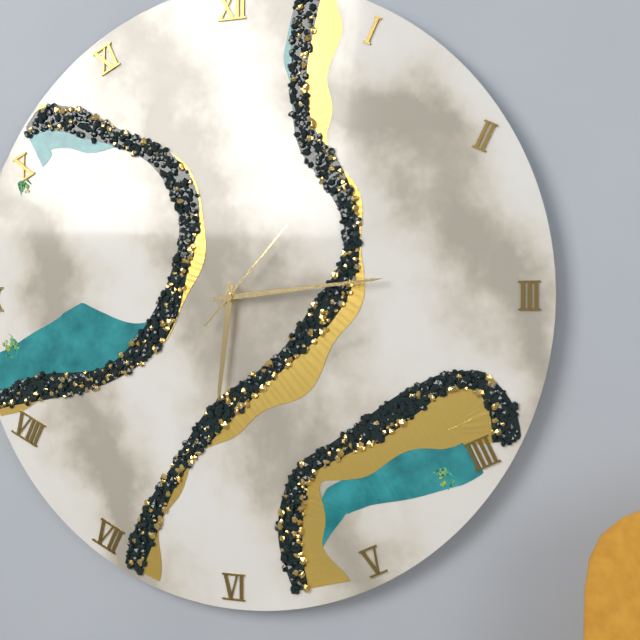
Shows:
{"hour": 6, "minute": 14, "second": 7}
